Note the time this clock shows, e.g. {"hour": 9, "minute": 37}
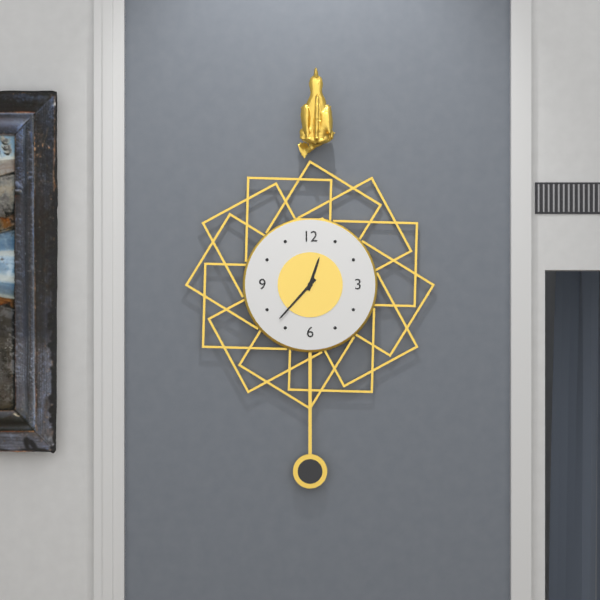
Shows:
{"hour": 12, "minute": 37}
